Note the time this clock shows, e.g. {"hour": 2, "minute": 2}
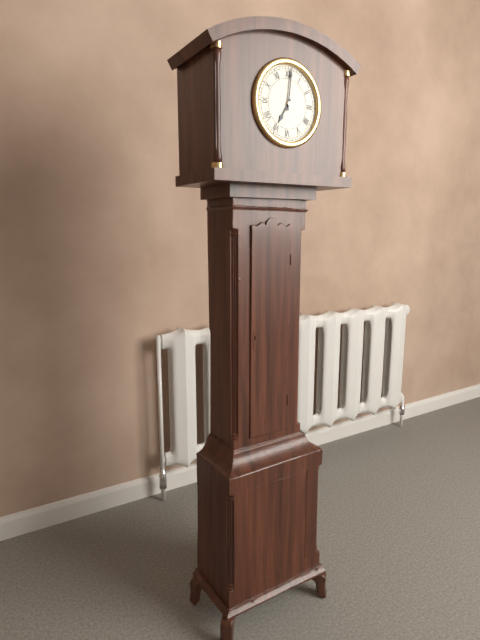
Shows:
{"hour": 7, "minute": 1}
